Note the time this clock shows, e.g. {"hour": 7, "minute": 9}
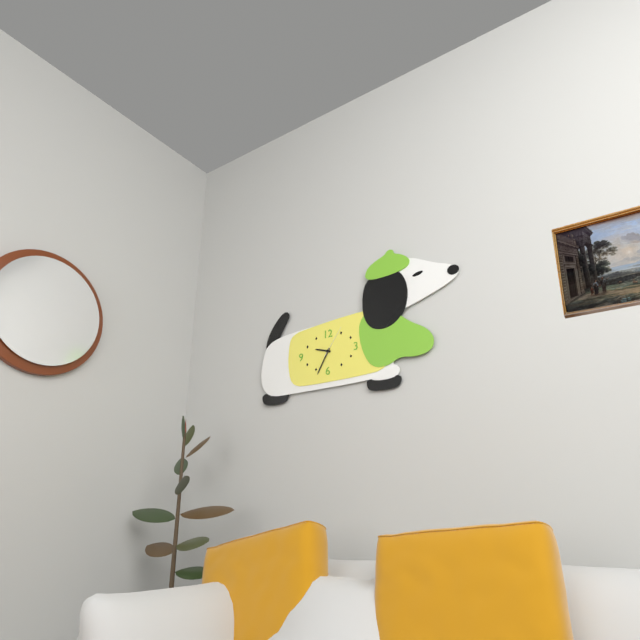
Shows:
{"hour": 9, "minute": 35}
